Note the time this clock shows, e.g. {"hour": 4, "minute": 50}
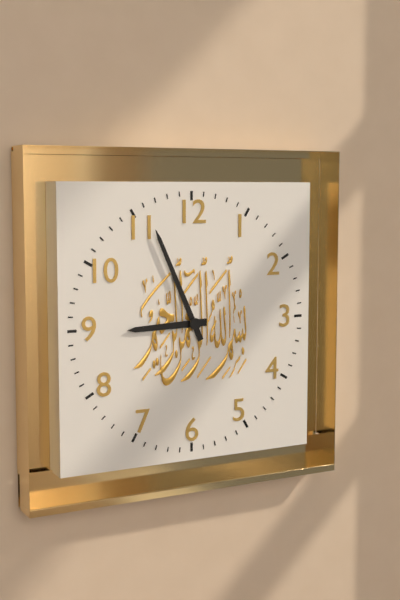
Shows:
{"hour": 8, "minute": 56}
